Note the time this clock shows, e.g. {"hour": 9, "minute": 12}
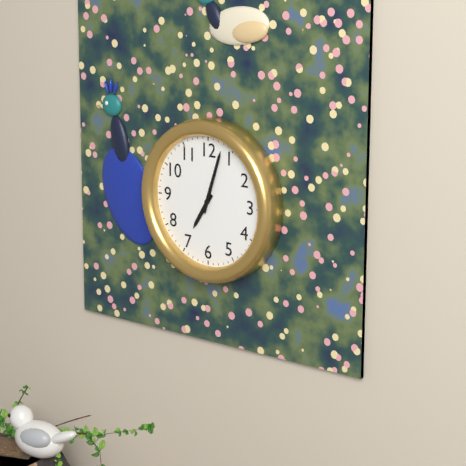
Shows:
{"hour": 7, "minute": 3}
